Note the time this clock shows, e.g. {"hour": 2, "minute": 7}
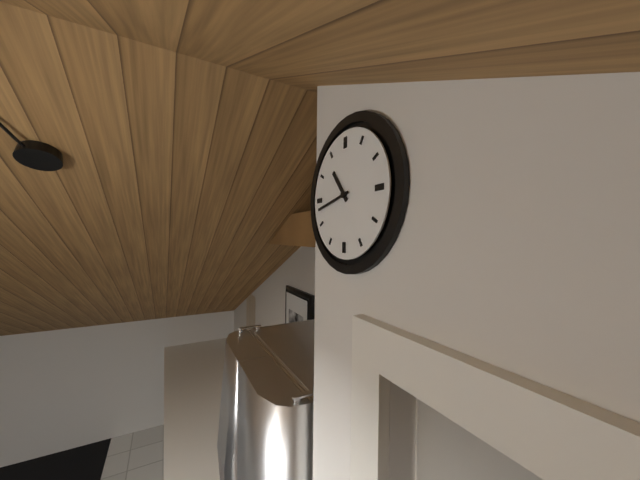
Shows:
{"hour": 10, "minute": 43}
